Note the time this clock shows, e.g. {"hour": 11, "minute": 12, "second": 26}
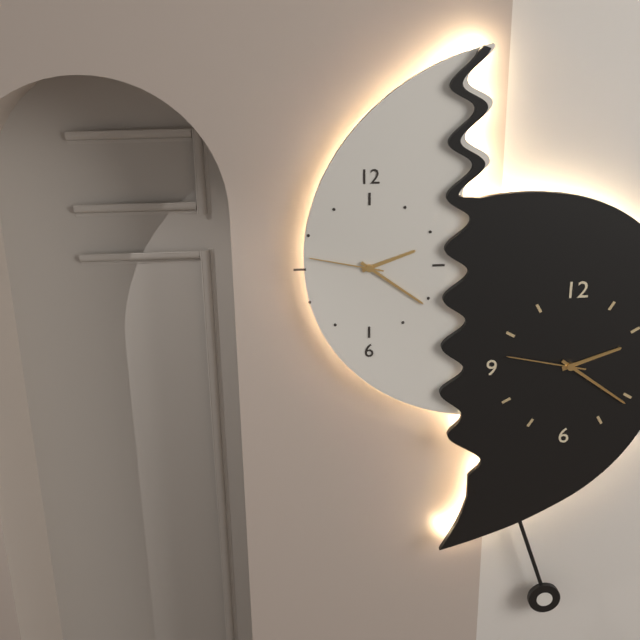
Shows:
{"hour": 2, "minute": 21, "second": 47}
